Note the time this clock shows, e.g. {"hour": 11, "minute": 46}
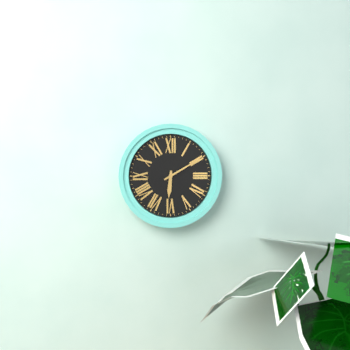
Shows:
{"hour": 6, "minute": 10}
